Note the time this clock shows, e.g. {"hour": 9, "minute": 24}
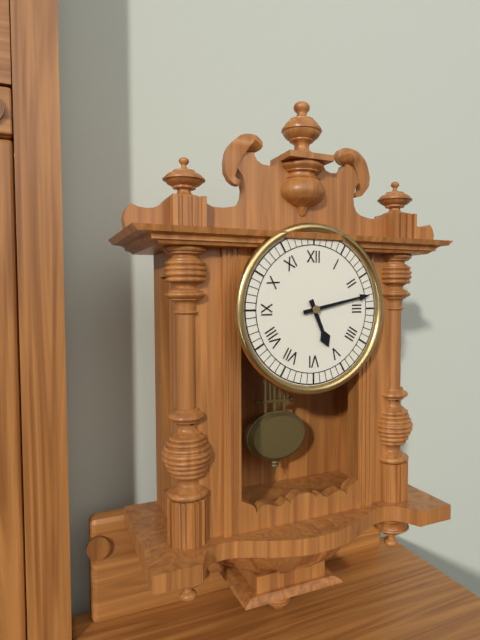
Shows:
{"hour": 5, "minute": 13}
